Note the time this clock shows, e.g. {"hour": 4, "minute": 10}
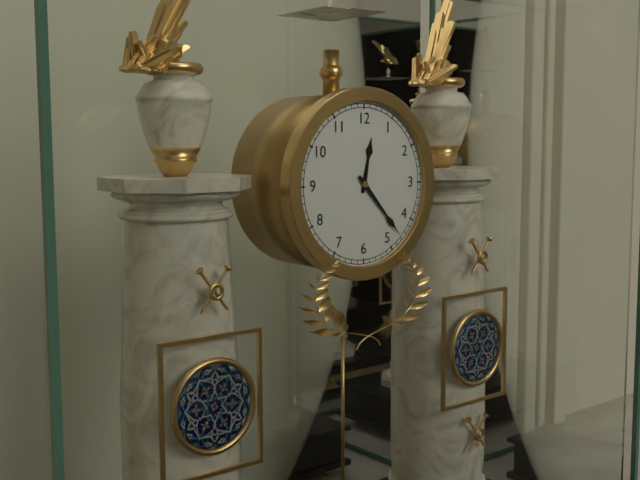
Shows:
{"hour": 12, "minute": 23}
